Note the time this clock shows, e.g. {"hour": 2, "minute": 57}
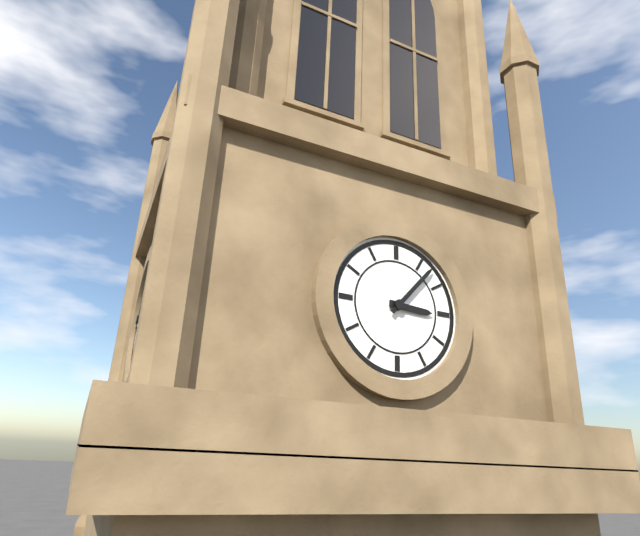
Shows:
{"hour": 3, "minute": 7}
